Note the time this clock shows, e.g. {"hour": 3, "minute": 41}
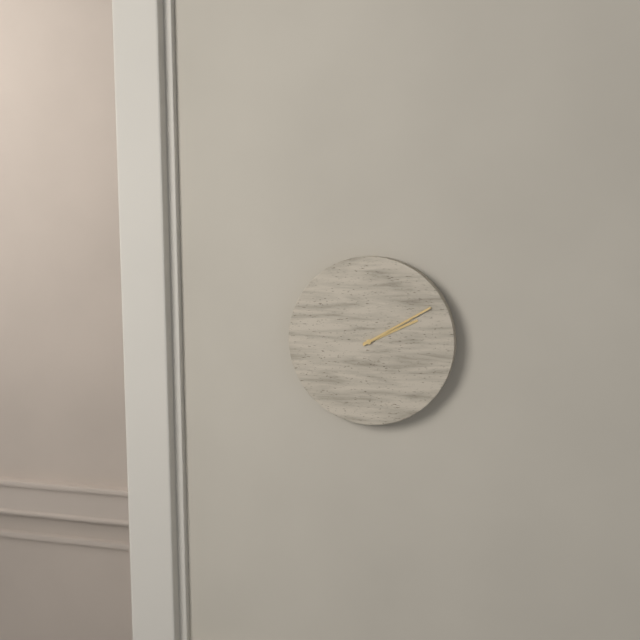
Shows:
{"hour": 2, "minute": 10}
